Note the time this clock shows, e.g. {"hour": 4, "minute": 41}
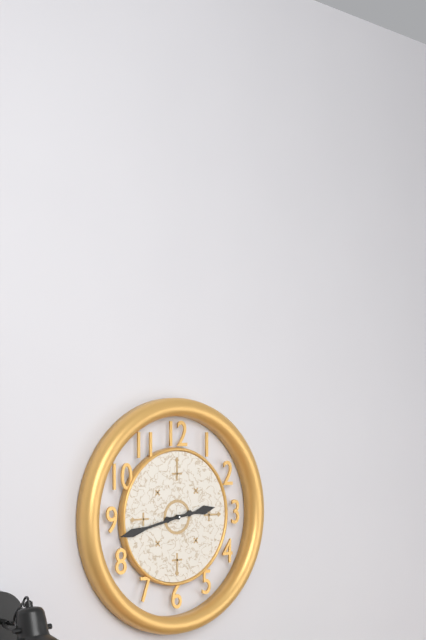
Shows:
{"hour": 2, "minute": 43}
